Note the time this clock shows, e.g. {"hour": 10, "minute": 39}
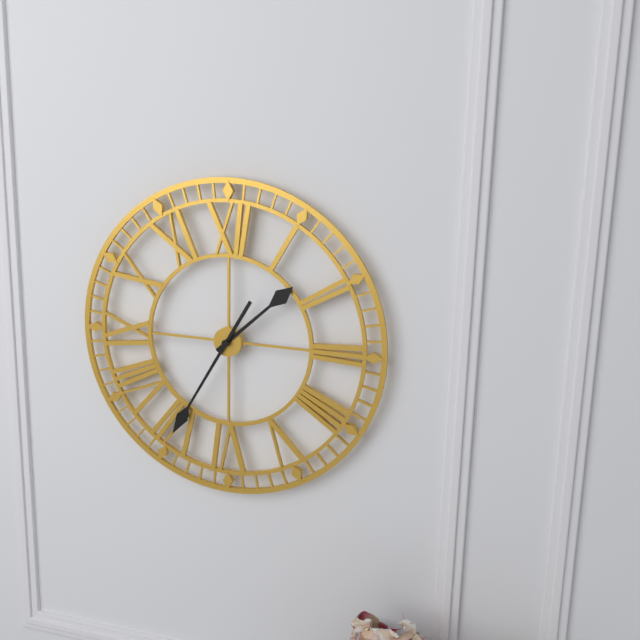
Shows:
{"hour": 1, "minute": 35}
